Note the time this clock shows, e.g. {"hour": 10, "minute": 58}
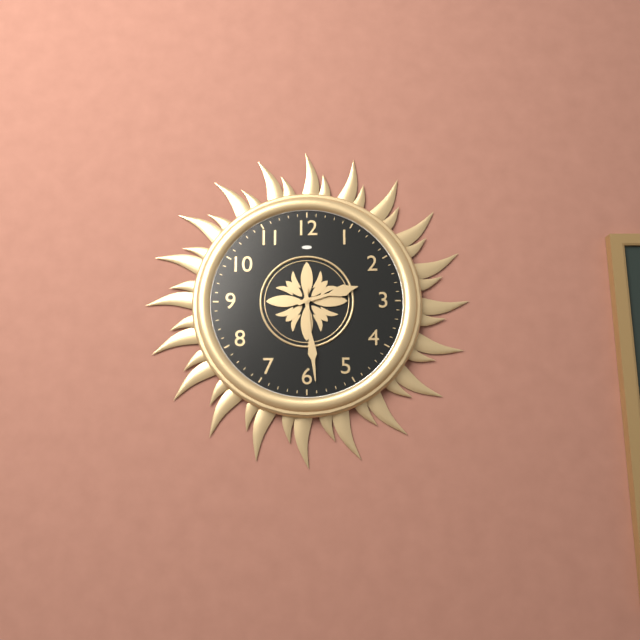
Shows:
{"hour": 2, "minute": 29}
